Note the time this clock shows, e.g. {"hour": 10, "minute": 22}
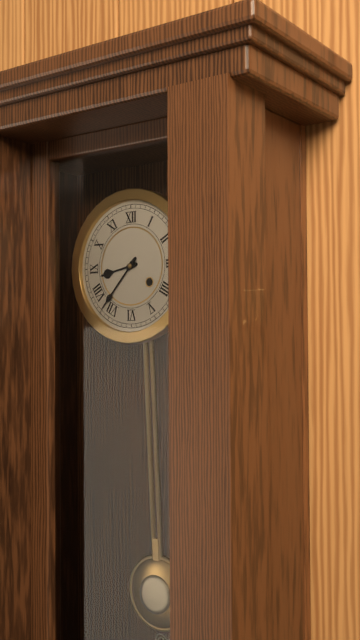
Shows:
{"hour": 8, "minute": 37}
